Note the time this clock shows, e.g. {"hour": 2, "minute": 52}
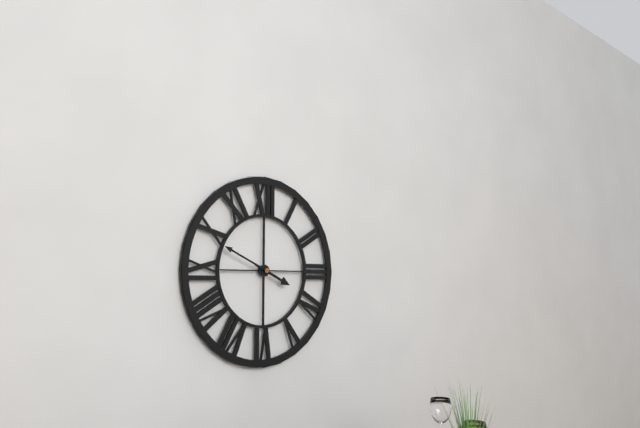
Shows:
{"hour": 3, "minute": 49}
